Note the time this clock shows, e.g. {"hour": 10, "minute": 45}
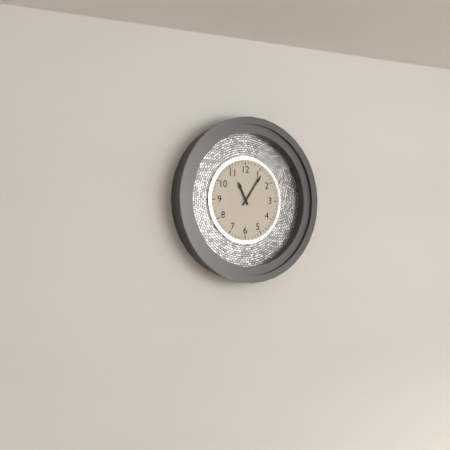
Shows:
{"hour": 11, "minute": 6}
